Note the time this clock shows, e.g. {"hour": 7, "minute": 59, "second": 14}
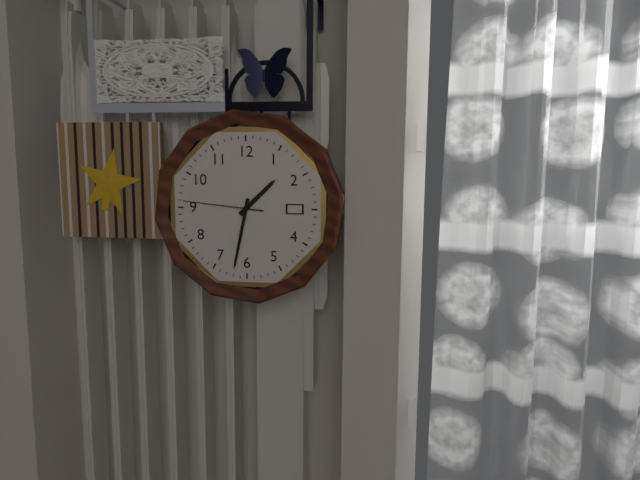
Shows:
{"hour": 1, "minute": 32, "second": 46}
